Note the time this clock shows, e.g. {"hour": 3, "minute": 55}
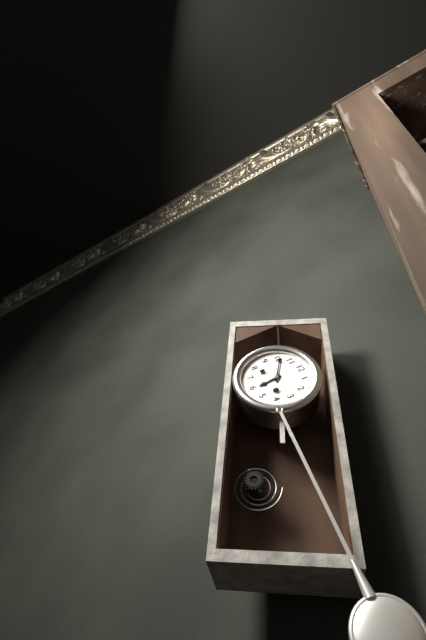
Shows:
{"hour": 5, "minute": 51}
